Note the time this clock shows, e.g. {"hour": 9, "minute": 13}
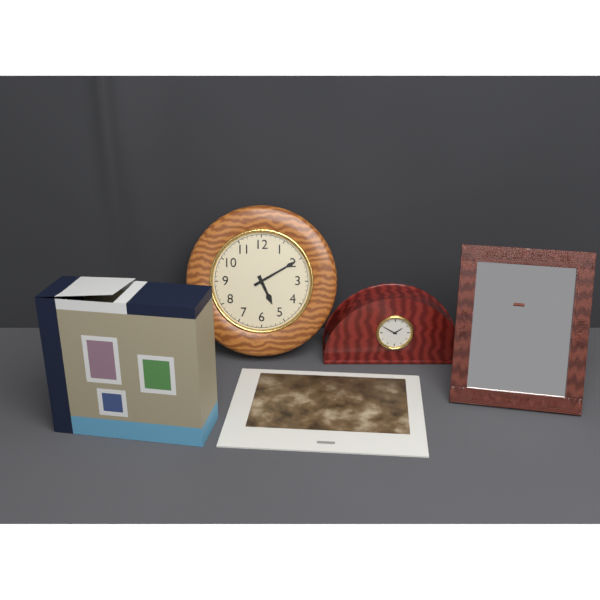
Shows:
{"hour": 5, "minute": 10}
